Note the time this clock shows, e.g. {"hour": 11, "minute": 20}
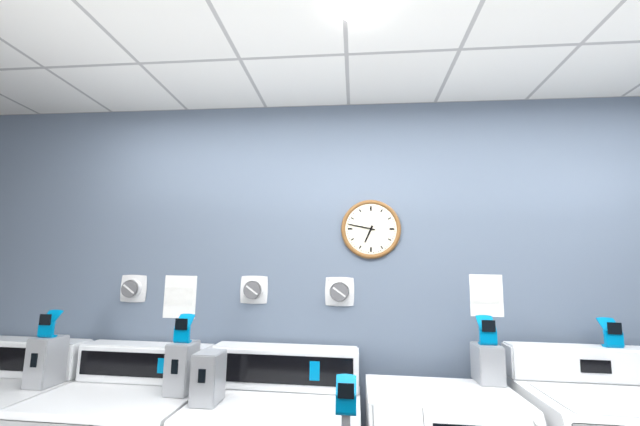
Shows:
{"hour": 6, "minute": 47}
